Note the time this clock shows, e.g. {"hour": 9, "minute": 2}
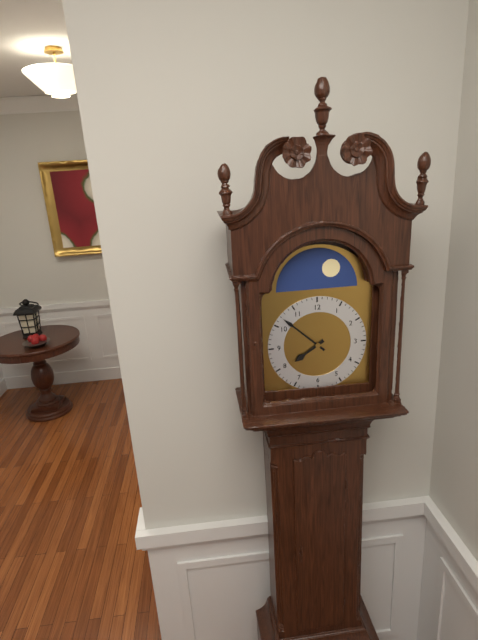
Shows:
{"hour": 7, "minute": 52}
